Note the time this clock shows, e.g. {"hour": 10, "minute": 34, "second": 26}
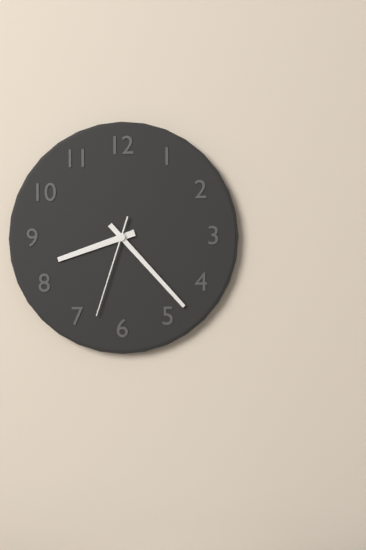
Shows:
{"hour": 8, "minute": 23, "second": 33}
